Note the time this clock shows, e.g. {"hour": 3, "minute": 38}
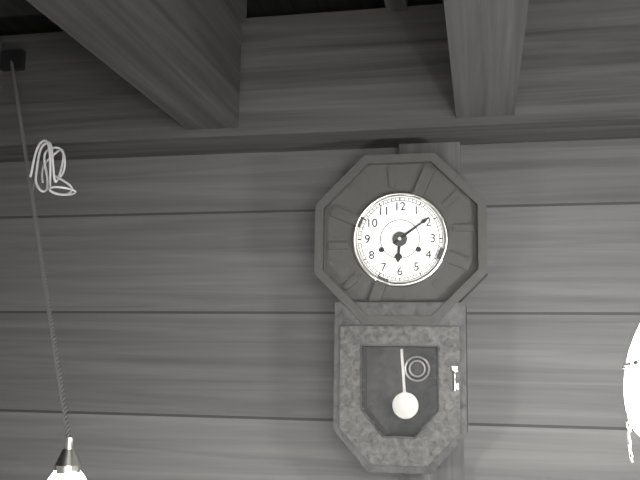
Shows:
{"hour": 6, "minute": 9}
